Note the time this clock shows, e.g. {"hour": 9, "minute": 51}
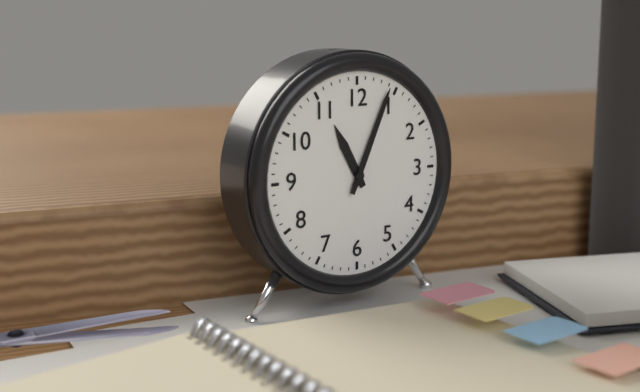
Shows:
{"hour": 11, "minute": 4}
